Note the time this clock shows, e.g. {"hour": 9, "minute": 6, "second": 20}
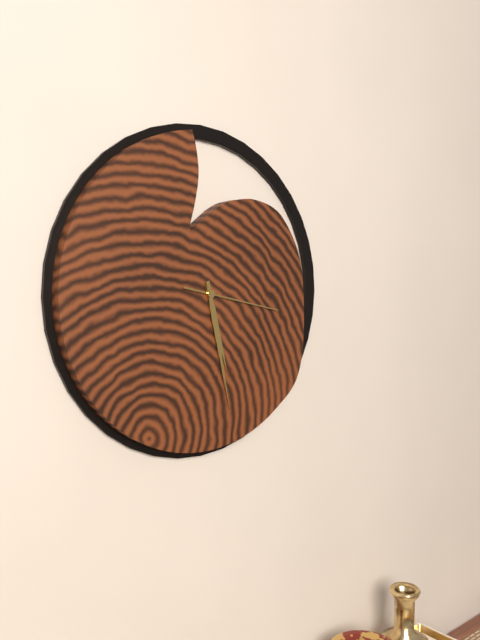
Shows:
{"hour": 5, "minute": 28, "second": 17}
